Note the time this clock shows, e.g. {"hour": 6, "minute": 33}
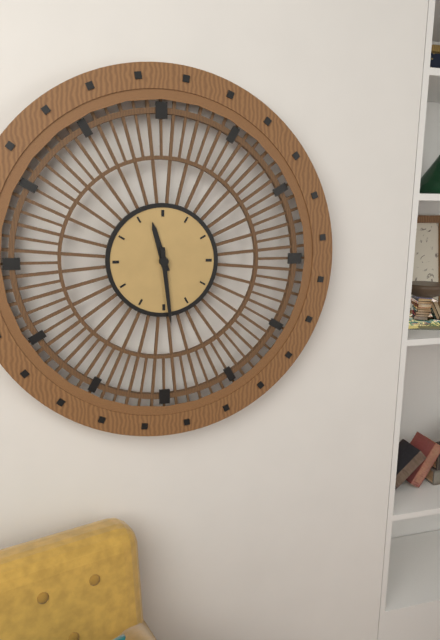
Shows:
{"hour": 11, "minute": 29}
